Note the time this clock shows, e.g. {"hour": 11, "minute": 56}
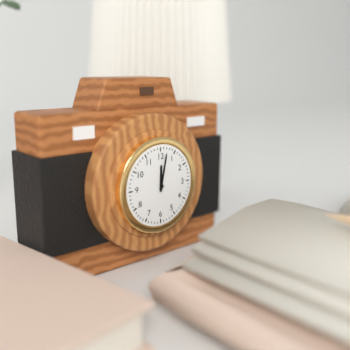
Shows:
{"hour": 12, "minute": 2}
